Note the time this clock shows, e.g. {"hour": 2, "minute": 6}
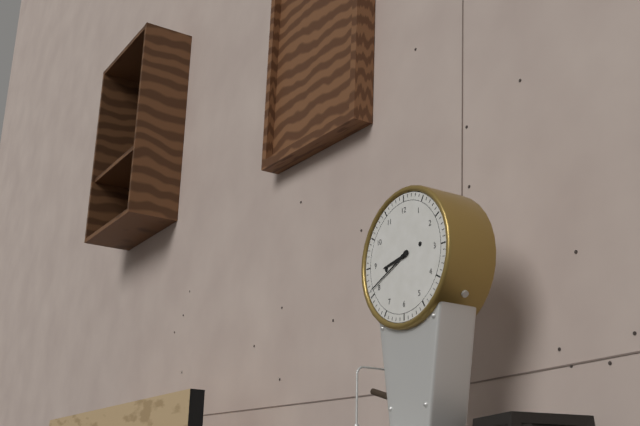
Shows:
{"hour": 8, "minute": 41}
